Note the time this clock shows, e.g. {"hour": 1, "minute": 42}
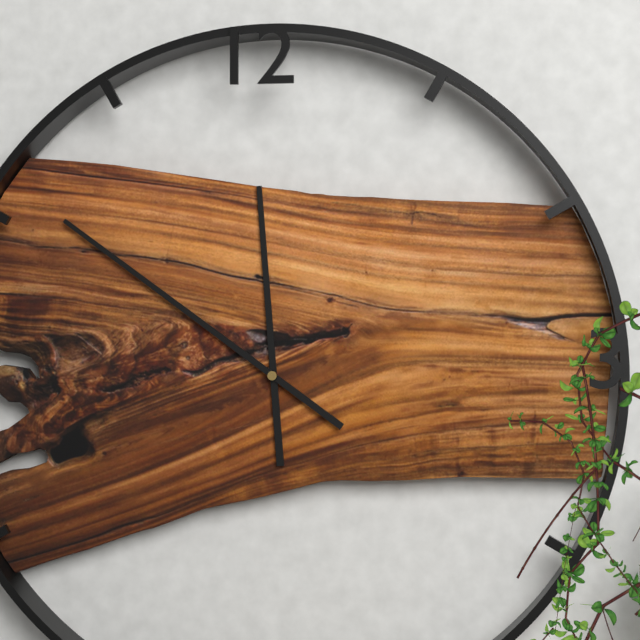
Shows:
{"hour": 11, "minute": 51}
